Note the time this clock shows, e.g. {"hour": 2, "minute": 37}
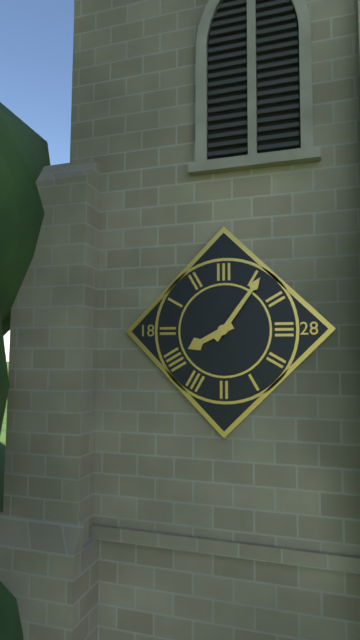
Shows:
{"hour": 8, "minute": 6}
